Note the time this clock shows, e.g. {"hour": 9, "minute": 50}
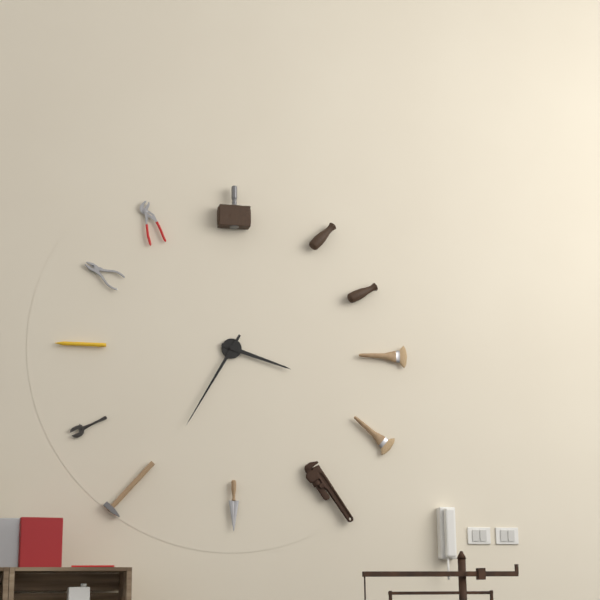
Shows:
{"hour": 3, "minute": 35}
